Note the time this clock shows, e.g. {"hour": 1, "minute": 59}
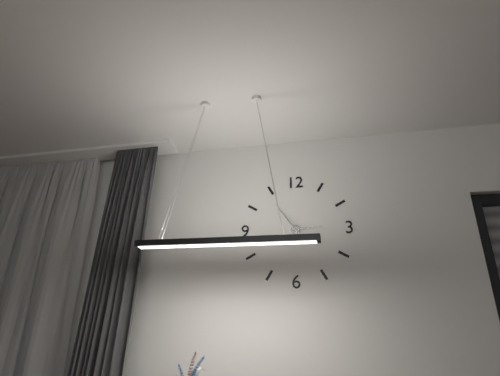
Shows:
{"hour": 2, "minute": 54}
